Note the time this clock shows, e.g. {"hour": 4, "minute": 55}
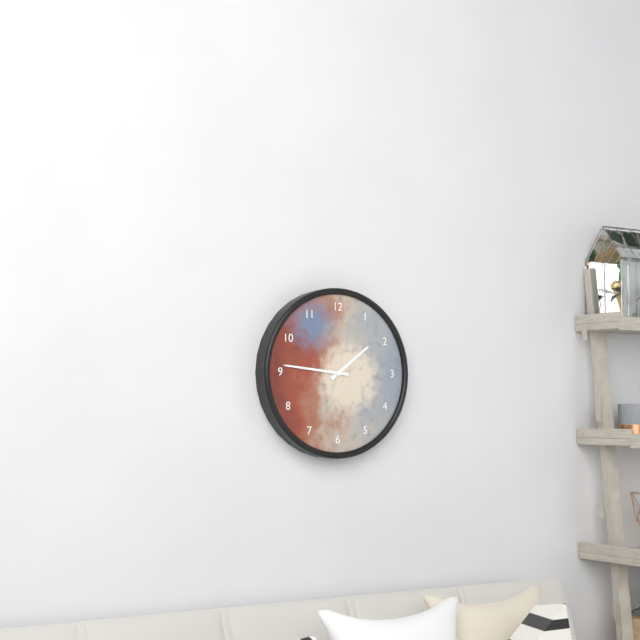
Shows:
{"hour": 1, "minute": 46}
